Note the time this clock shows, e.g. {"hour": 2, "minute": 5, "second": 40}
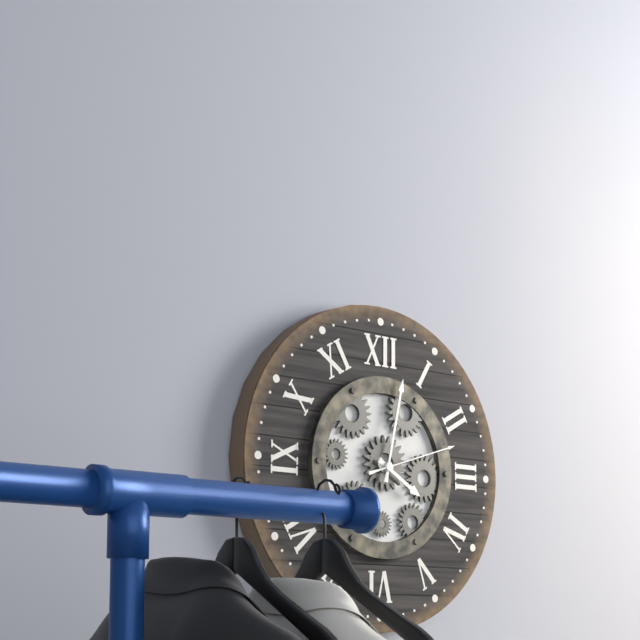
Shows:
{"hour": 4, "minute": 2, "second": 12}
